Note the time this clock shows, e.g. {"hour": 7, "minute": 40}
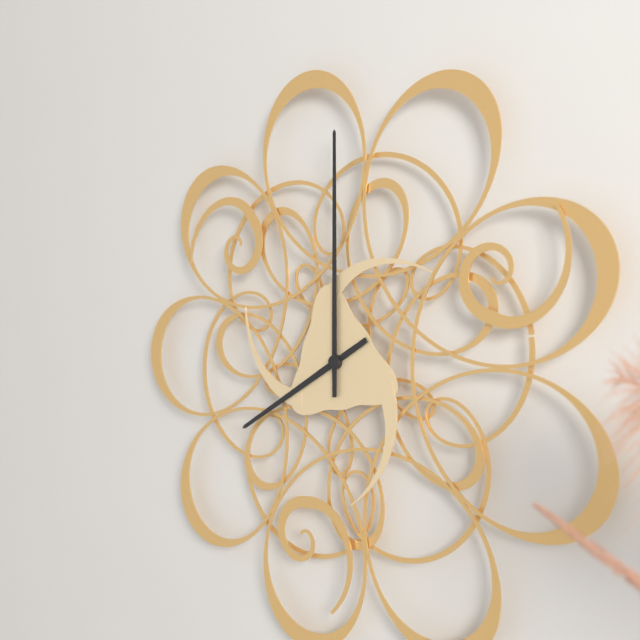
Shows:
{"hour": 8, "minute": 0}
